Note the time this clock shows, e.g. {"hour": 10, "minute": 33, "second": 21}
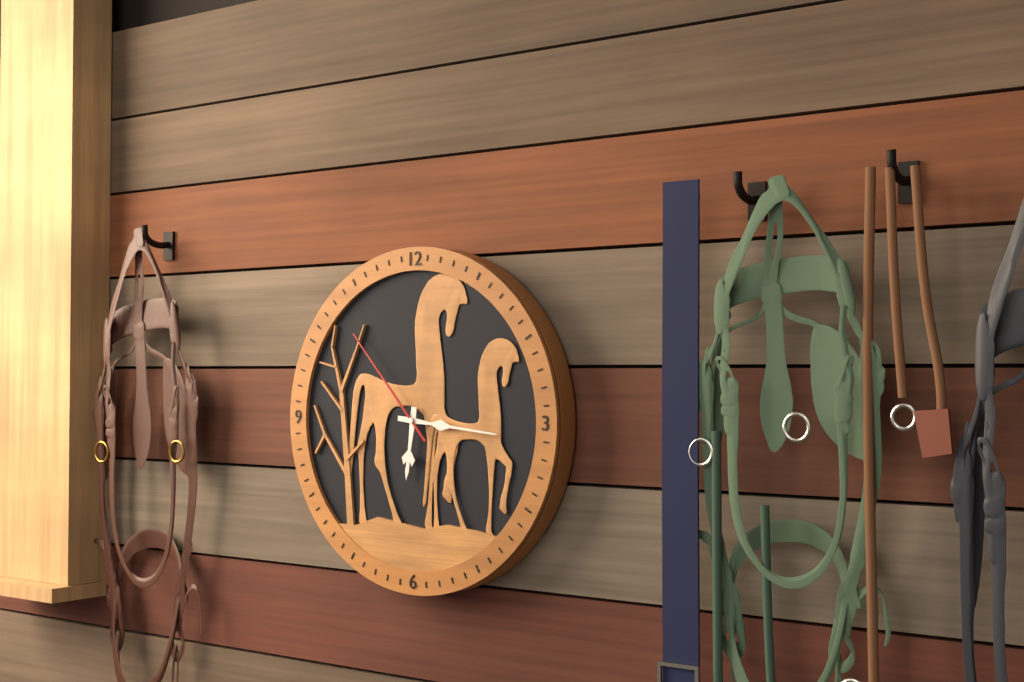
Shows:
{"hour": 6, "minute": 16, "second": 53}
